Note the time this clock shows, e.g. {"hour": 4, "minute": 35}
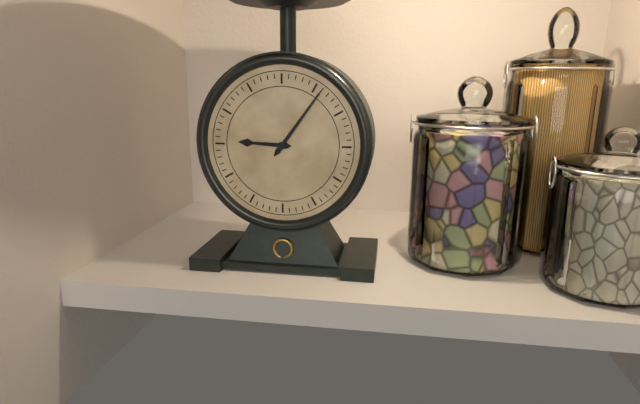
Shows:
{"hour": 9, "minute": 6}
